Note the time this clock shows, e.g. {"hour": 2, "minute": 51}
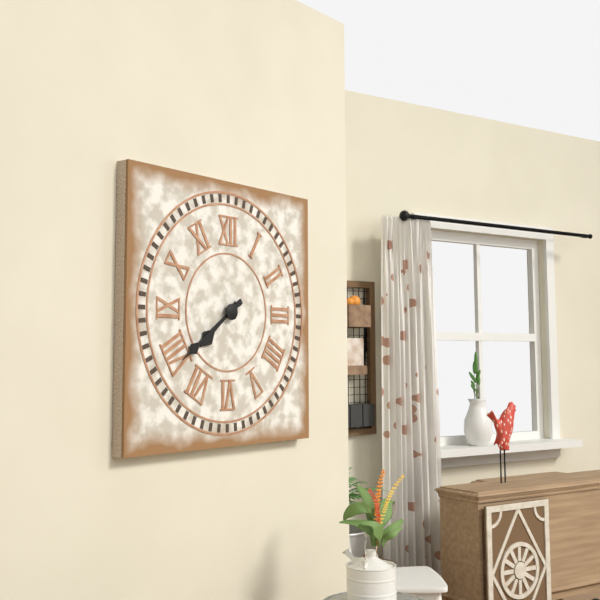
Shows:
{"hour": 7, "minute": 39}
